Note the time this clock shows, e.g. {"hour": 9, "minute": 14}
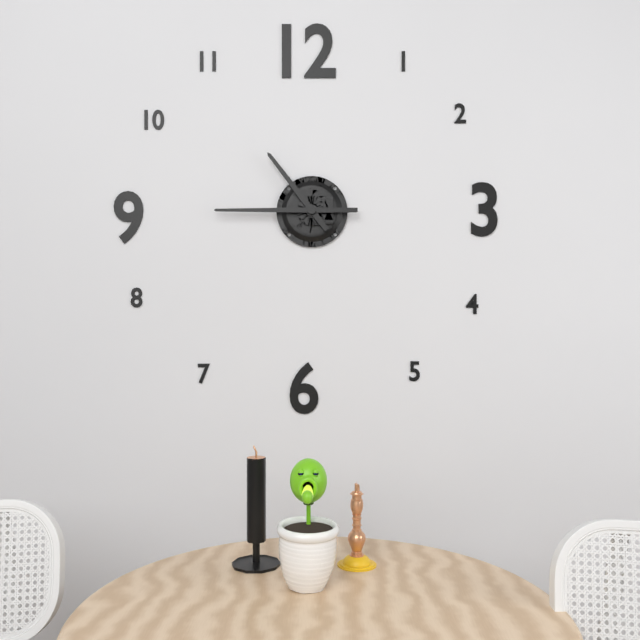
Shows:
{"hour": 10, "minute": 45}
